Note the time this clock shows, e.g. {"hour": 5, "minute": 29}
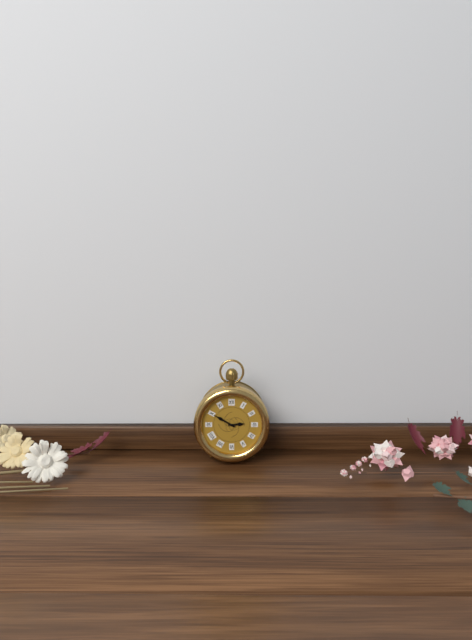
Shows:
{"hour": 2, "minute": 50}
